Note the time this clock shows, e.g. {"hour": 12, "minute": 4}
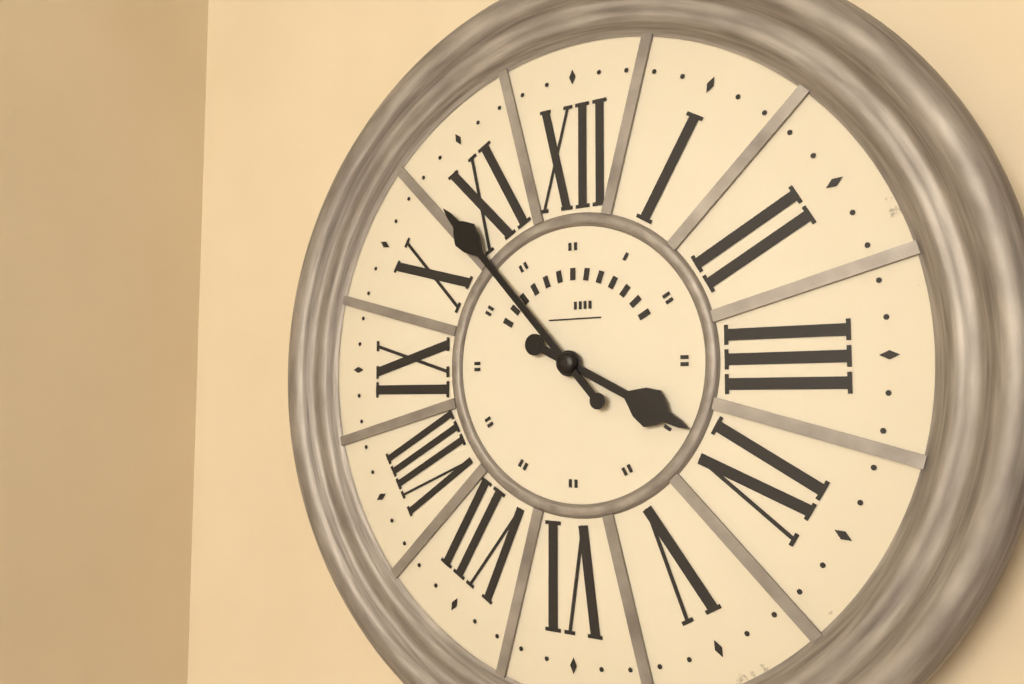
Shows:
{"hour": 3, "minute": 53}
